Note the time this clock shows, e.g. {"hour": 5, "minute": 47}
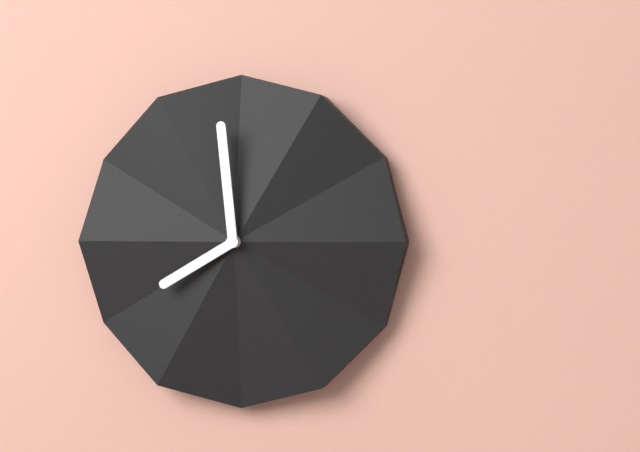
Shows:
{"hour": 7, "minute": 59}
